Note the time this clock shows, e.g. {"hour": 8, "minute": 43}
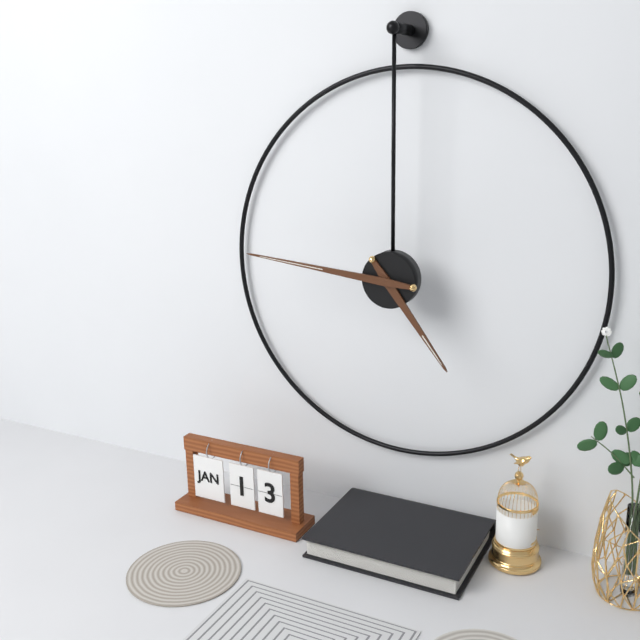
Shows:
{"hour": 4, "minute": 46}
